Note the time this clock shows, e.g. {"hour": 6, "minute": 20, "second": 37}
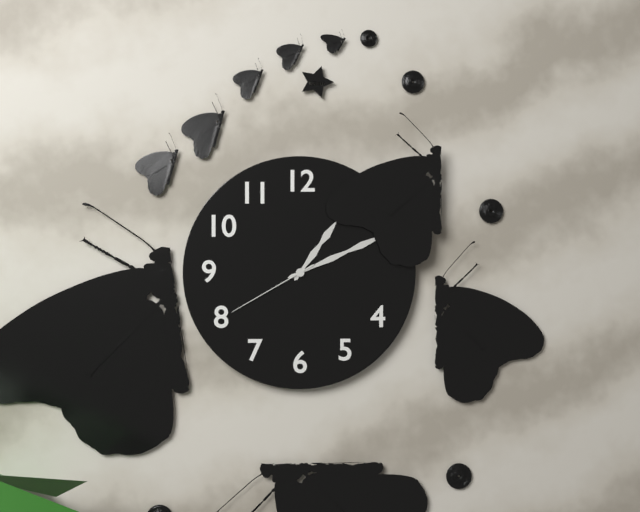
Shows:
{"hour": 1, "minute": 11, "second": 40}
